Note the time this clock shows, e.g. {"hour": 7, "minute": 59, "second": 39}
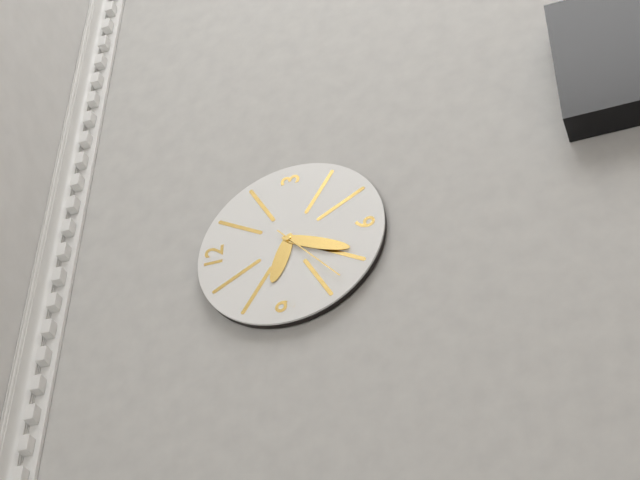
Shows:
{"hour": 9, "minute": 34, "second": 38}
